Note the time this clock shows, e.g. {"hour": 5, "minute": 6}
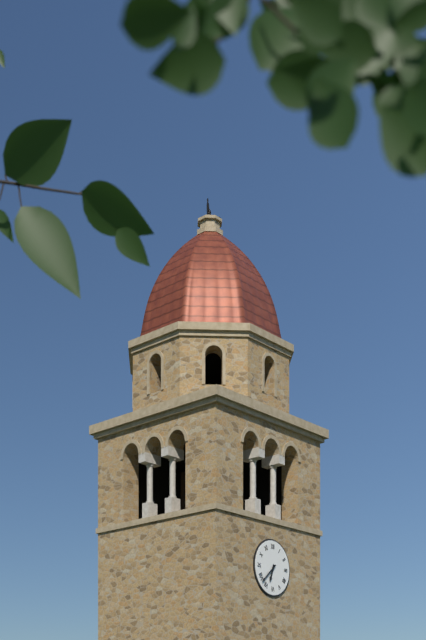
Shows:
{"hour": 6, "minute": 38}
